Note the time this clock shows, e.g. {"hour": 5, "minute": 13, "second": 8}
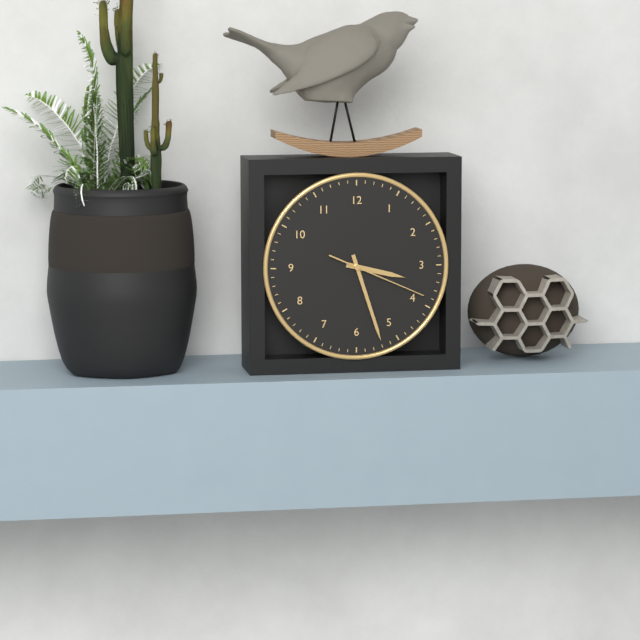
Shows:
{"hour": 3, "minute": 27, "second": 19}
